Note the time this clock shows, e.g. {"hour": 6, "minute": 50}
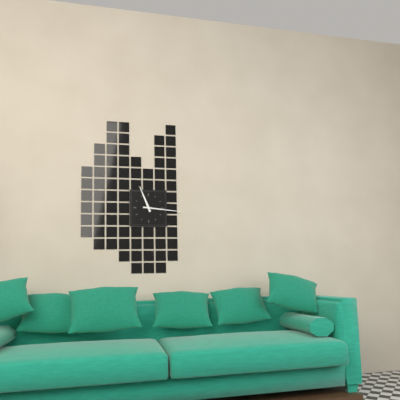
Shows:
{"hour": 11, "minute": 16}
